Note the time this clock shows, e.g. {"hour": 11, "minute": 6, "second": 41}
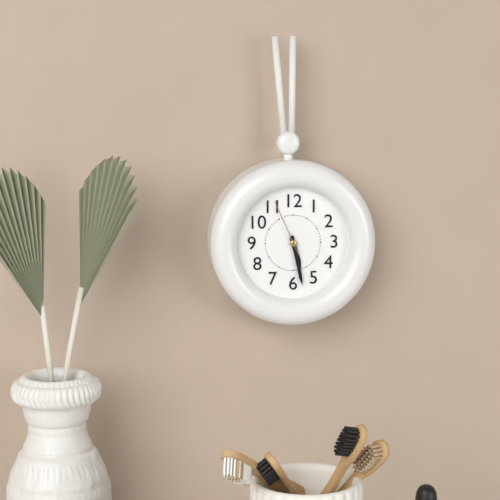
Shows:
{"hour": 5, "minute": 28, "second": 56}
